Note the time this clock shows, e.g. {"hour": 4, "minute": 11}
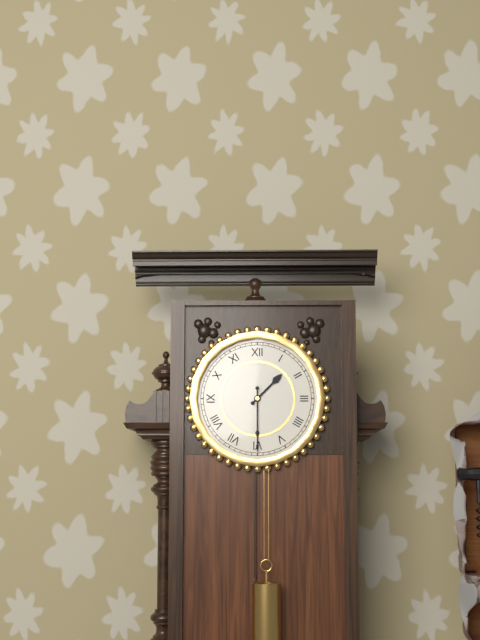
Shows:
{"hour": 1, "minute": 30}
